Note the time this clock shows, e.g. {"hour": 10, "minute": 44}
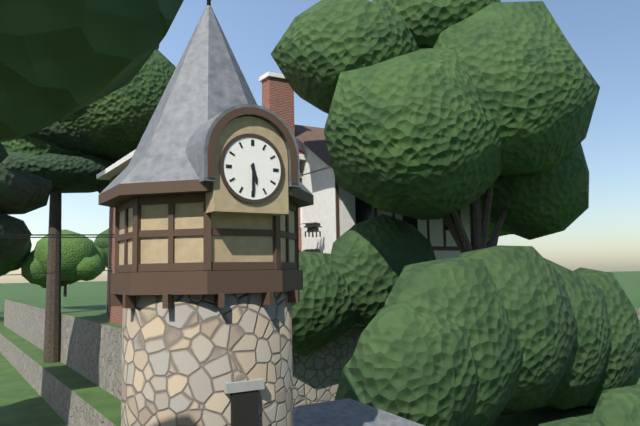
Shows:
{"hour": 5, "minute": 30}
